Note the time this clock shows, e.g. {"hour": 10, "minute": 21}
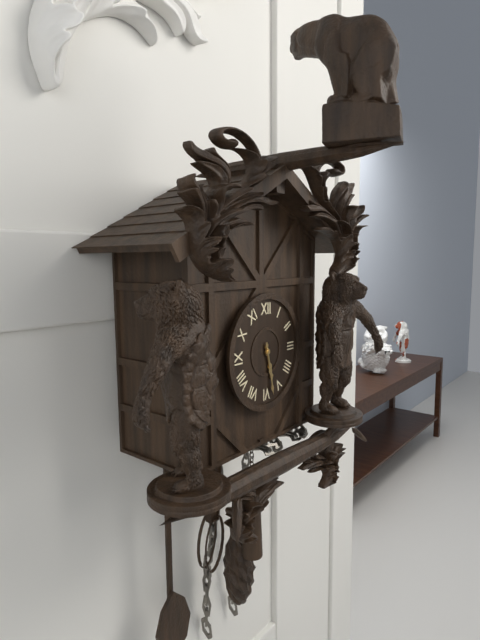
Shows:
{"hour": 5, "minute": 28}
